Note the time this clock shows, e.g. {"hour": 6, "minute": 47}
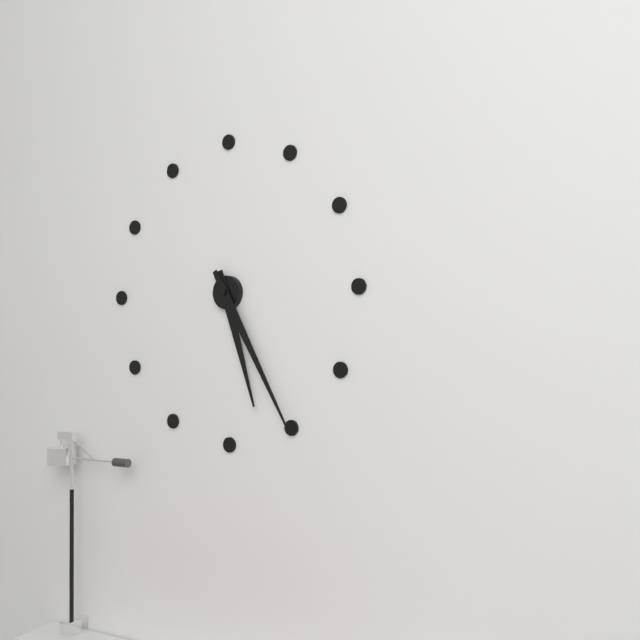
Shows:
{"hour": 5, "minute": 25}
